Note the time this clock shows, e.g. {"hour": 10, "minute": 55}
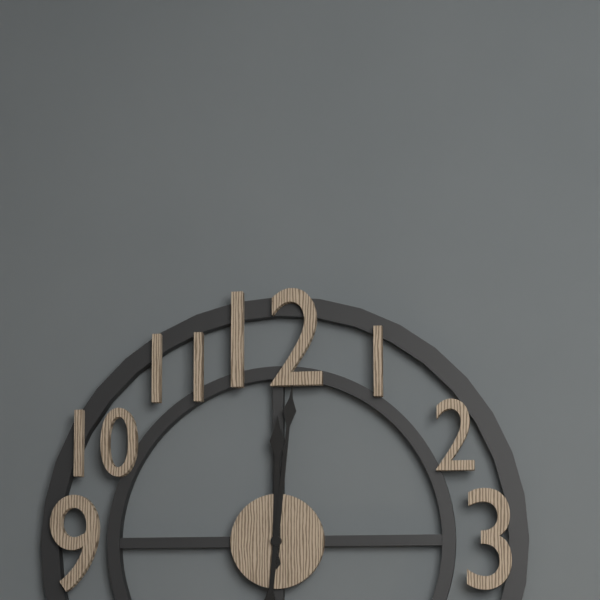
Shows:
{"hour": 12, "minute": 1}
